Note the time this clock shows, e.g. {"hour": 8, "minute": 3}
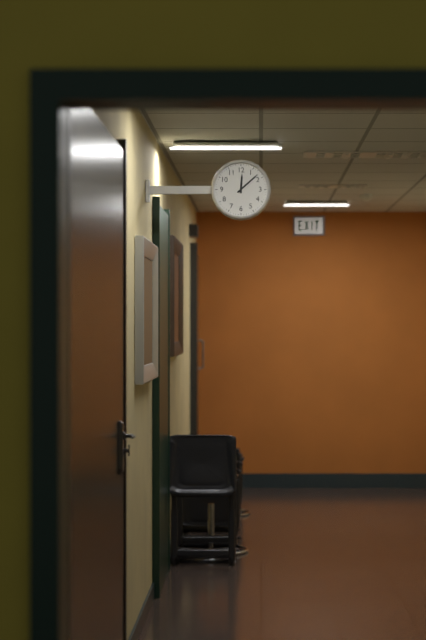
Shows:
{"hour": 12, "minute": 8}
